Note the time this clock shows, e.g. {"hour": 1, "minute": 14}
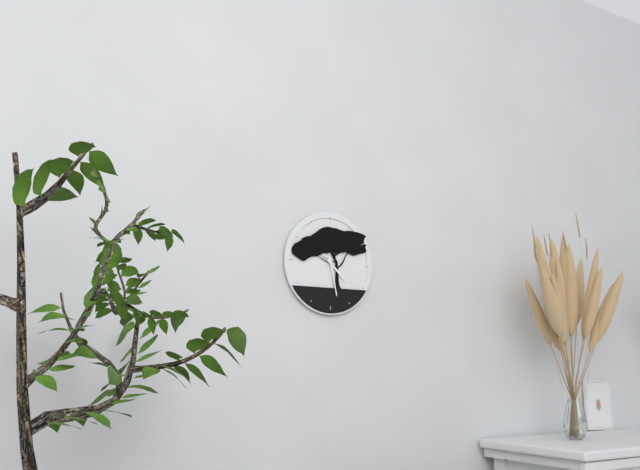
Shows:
{"hour": 4, "minute": 28}
